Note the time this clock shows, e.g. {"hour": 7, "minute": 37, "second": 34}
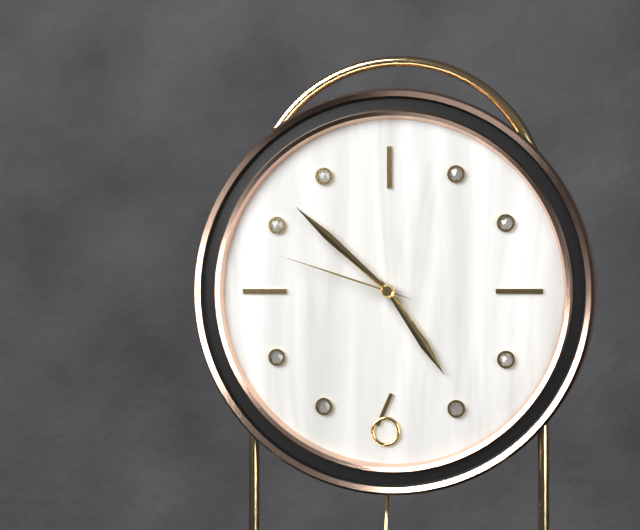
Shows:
{"hour": 4, "minute": 52, "second": 48}
